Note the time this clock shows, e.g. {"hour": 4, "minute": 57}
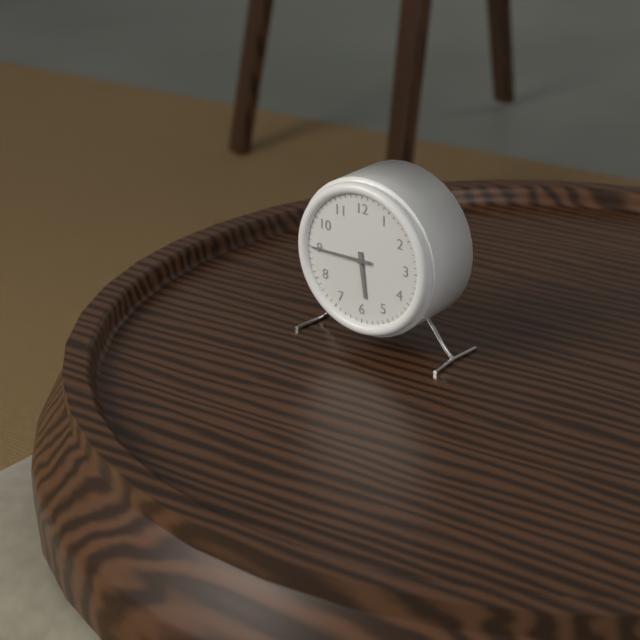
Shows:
{"hour": 5, "minute": 45}
